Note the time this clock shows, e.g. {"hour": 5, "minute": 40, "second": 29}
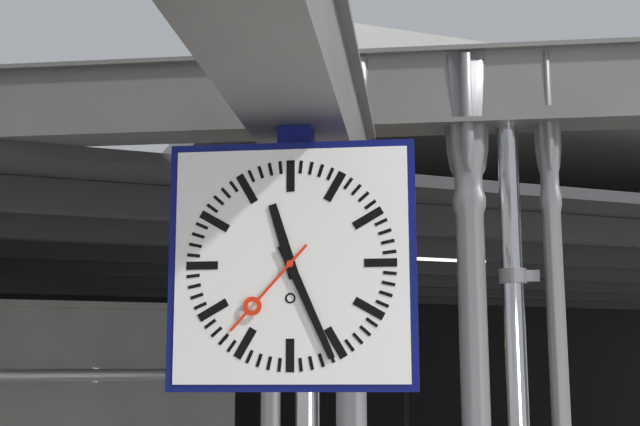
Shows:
{"hour": 11, "minute": 26, "second": 37}
